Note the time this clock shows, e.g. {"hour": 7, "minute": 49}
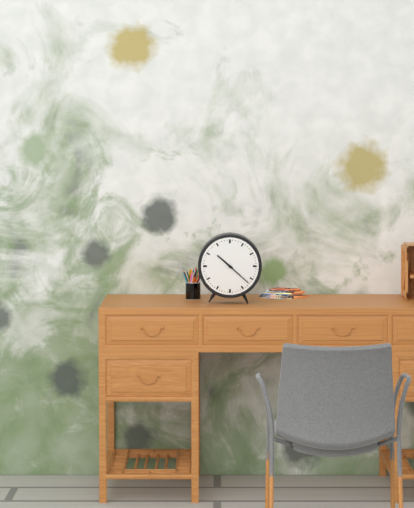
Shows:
{"hour": 10, "minute": 22}
